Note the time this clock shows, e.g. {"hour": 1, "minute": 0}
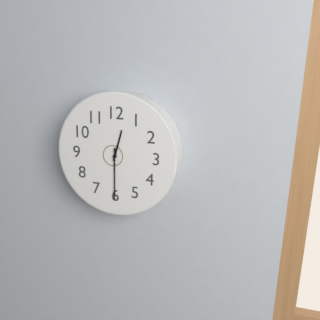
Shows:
{"hour": 12, "minute": 30}
